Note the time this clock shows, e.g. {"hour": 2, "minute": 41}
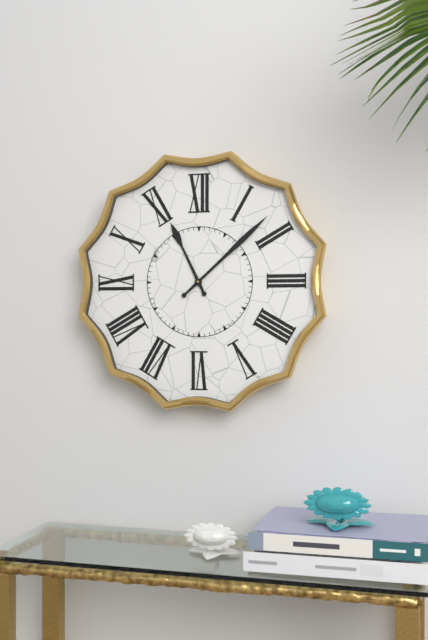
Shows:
{"hour": 11, "minute": 8}
